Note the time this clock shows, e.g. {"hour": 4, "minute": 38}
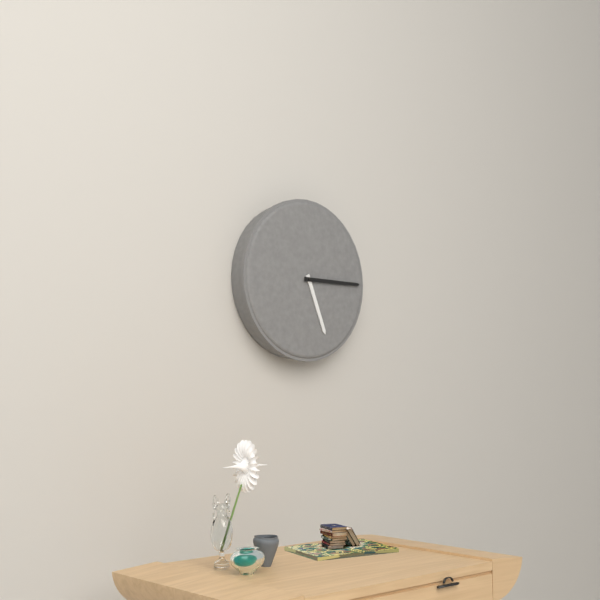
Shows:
{"hour": 5, "minute": 15}
